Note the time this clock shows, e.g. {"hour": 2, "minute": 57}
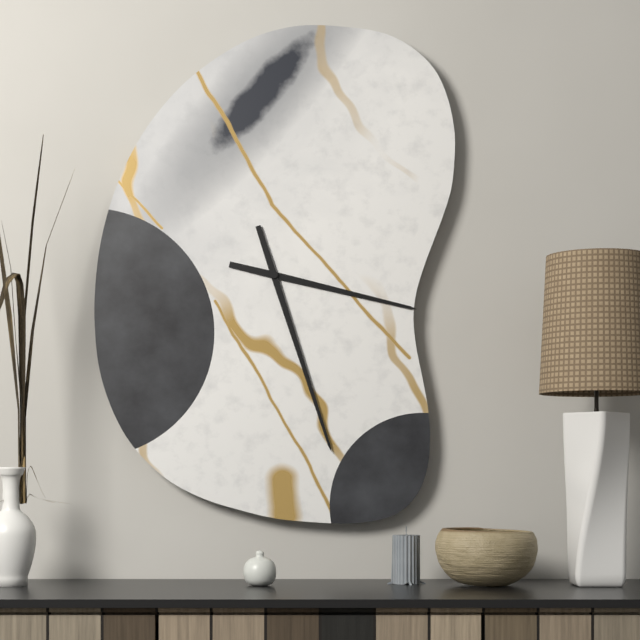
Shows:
{"hour": 3, "minute": 27}
